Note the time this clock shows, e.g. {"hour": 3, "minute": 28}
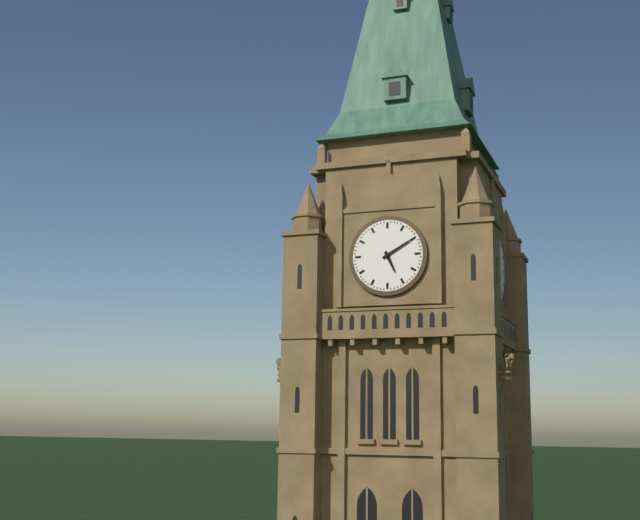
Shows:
{"hour": 5, "minute": 10}
